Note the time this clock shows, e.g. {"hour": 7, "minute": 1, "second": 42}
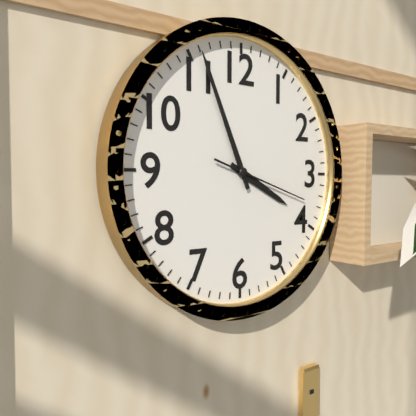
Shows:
{"hour": 3, "minute": 56, "second": 18}
